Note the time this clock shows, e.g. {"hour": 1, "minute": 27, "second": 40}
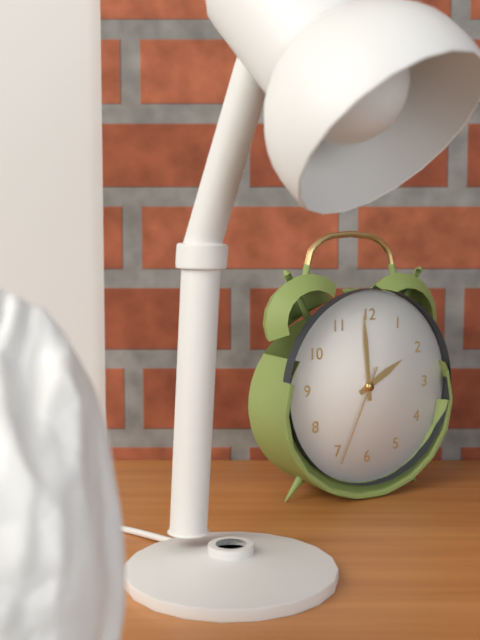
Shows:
{"hour": 1, "minute": 59, "second": 34}
